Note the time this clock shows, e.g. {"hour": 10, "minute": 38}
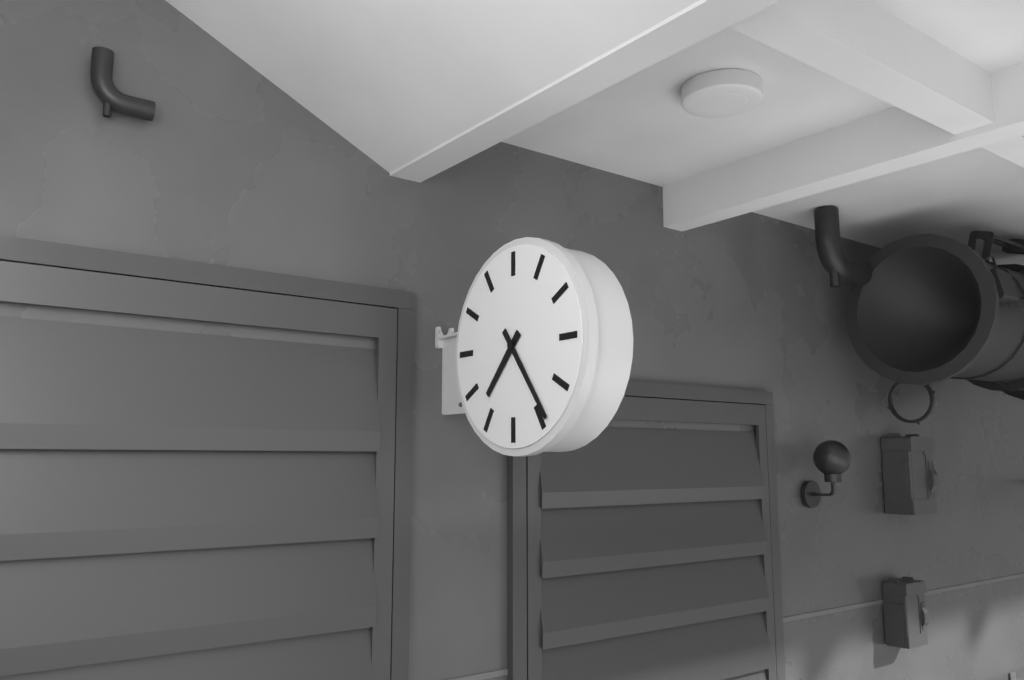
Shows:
{"hour": 7, "minute": 24}
